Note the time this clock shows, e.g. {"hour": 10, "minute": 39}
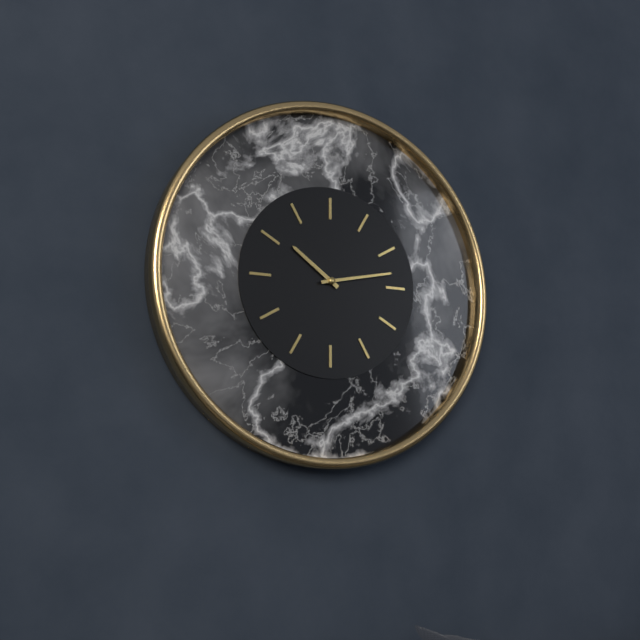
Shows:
{"hour": 10, "minute": 13}
